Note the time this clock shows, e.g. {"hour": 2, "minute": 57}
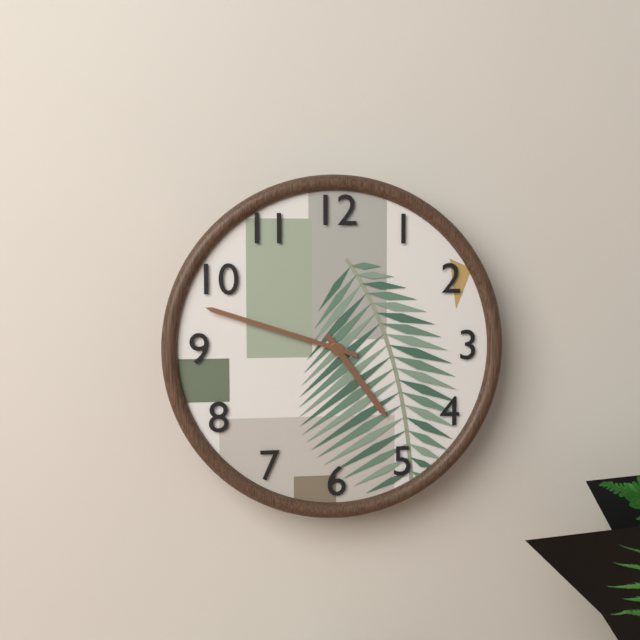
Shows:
{"hour": 4, "minute": 48}
